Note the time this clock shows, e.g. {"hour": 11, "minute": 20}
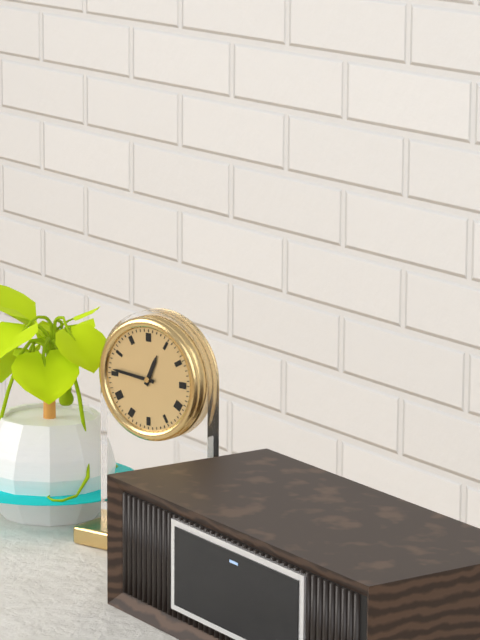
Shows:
{"hour": 12, "minute": 46}
